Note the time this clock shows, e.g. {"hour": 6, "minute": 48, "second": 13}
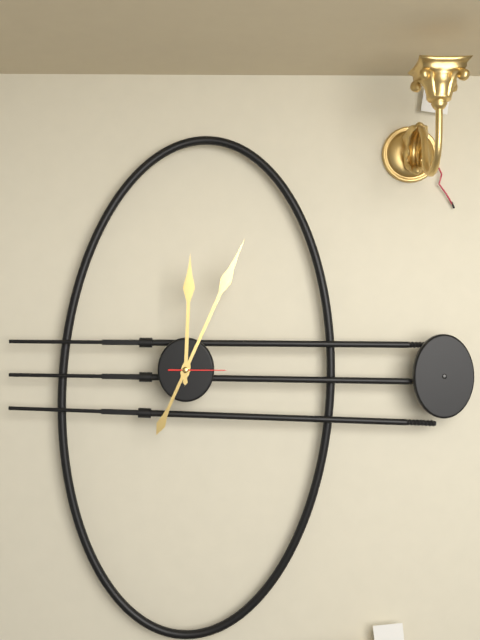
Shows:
{"hour": 12, "minute": 4, "second": 15}
